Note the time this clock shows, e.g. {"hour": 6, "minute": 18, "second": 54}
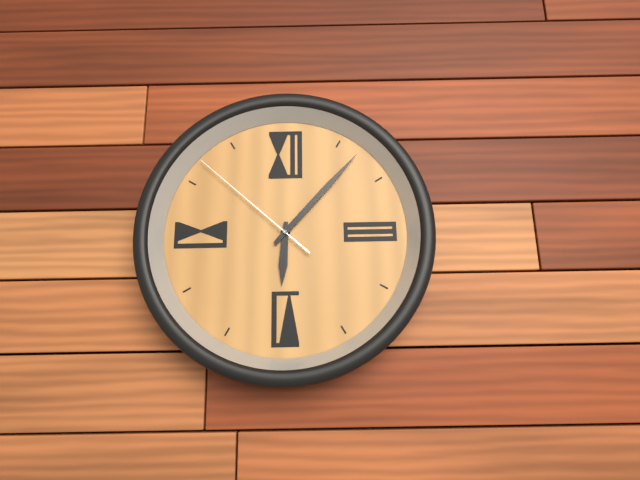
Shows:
{"hour": 6, "minute": 7, "second": 52}
